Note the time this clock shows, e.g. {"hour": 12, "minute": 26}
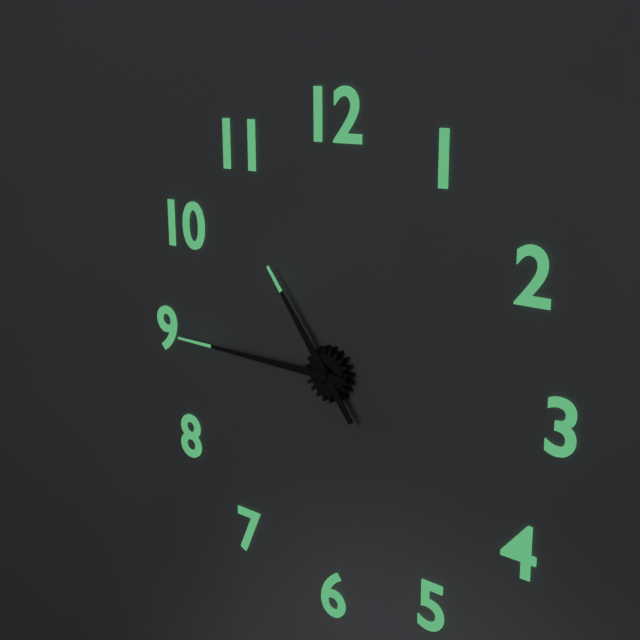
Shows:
{"hour": 10, "minute": 45}
